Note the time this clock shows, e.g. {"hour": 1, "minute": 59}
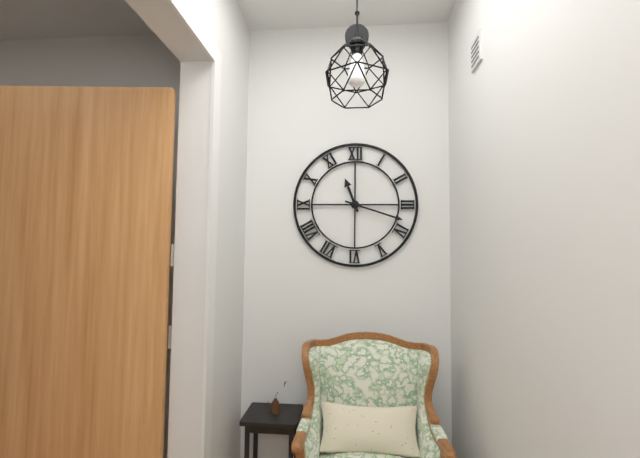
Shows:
{"hour": 11, "minute": 18}
